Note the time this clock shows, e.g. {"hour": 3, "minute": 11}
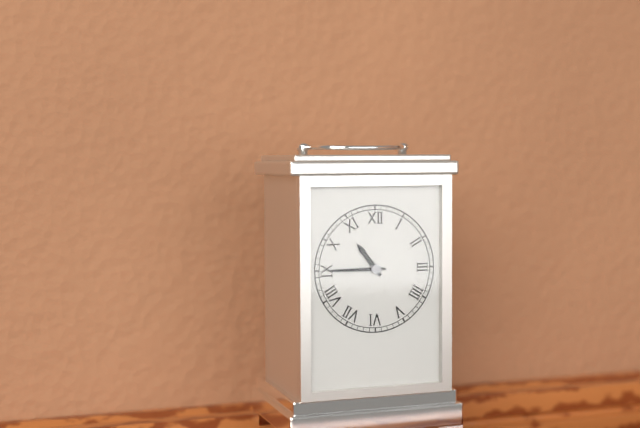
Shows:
{"hour": 10, "minute": 45}
